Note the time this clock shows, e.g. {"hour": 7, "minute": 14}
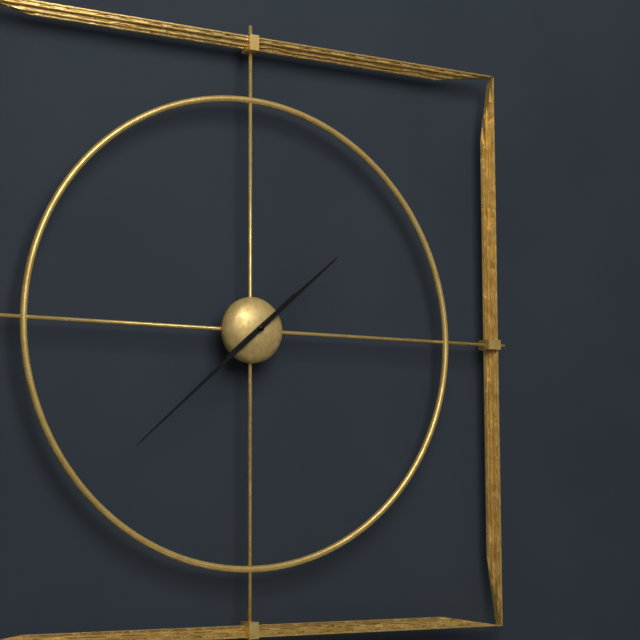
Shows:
{"hour": 1, "minute": 38}
